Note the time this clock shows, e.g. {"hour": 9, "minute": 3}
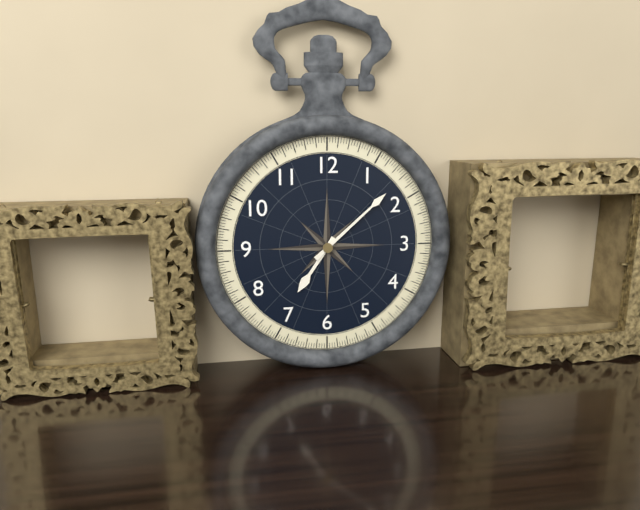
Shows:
{"hour": 7, "minute": 8}
